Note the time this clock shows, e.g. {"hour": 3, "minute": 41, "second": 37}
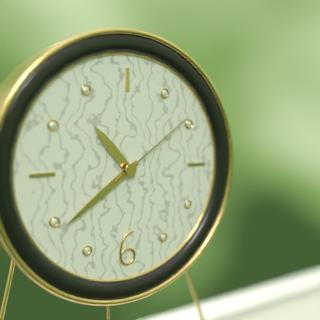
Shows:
{"hour": 10, "minute": 39, "second": 9}
